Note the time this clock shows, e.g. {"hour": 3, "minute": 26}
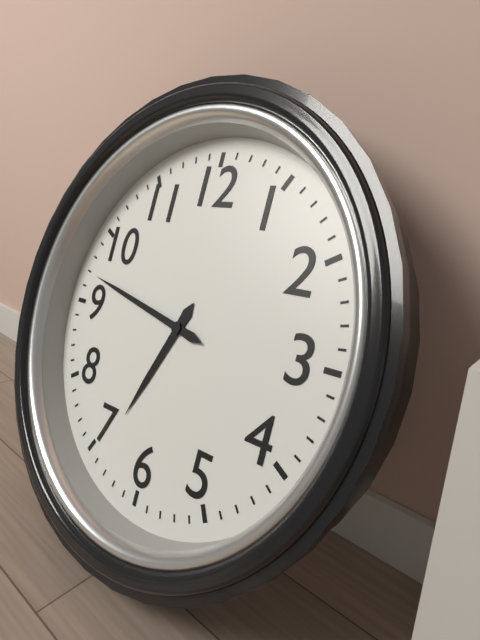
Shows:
{"hour": 6, "minute": 47}
